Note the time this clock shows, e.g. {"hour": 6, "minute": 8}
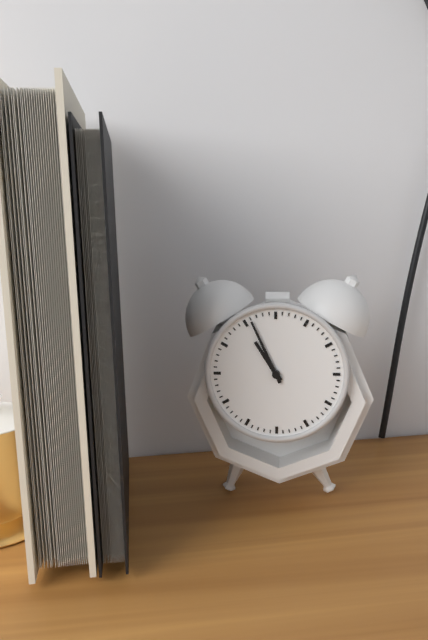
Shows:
{"hour": 10, "minute": 56}
